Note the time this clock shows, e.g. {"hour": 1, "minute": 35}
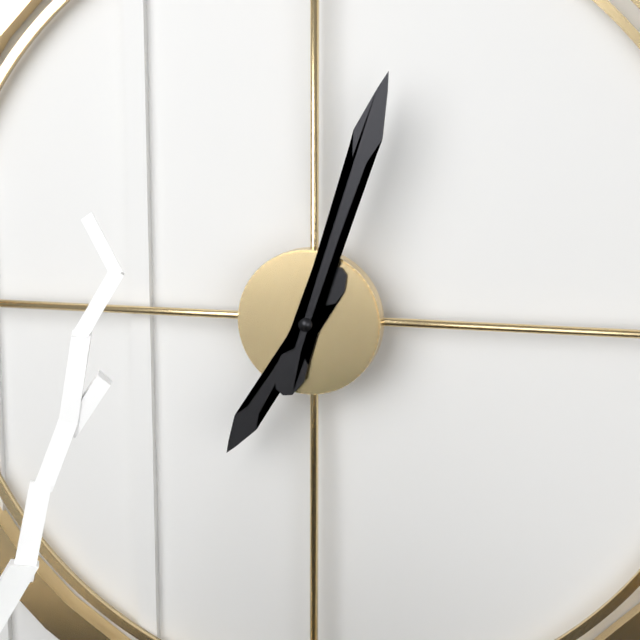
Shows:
{"hour": 7, "minute": 3}
